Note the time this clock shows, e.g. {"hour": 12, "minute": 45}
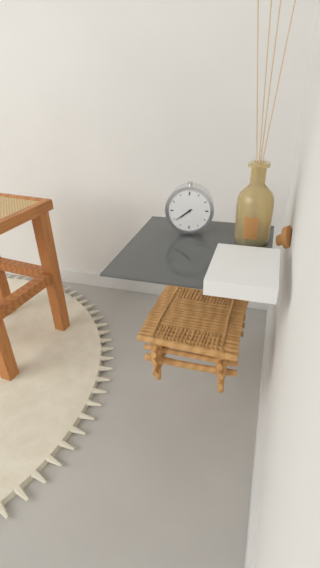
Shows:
{"hour": 7, "minute": 39}
